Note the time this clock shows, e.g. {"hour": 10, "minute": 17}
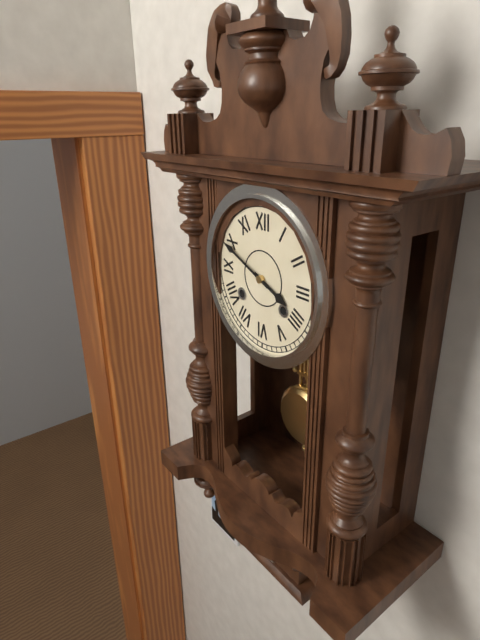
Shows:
{"hour": 3, "minute": 49}
